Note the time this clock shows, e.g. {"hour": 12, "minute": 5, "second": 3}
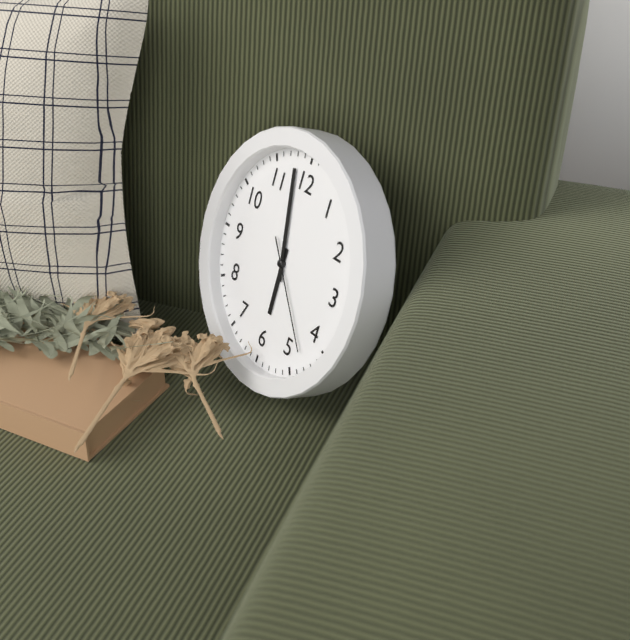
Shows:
{"hour": 5, "minute": 58, "second": 23}
